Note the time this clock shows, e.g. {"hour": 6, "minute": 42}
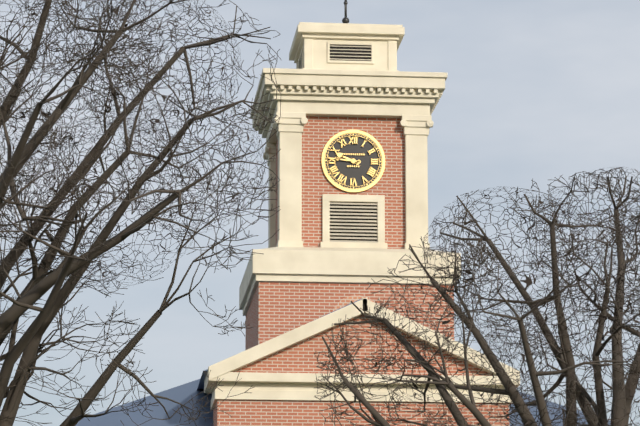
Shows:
{"hour": 9, "minute": 46}
